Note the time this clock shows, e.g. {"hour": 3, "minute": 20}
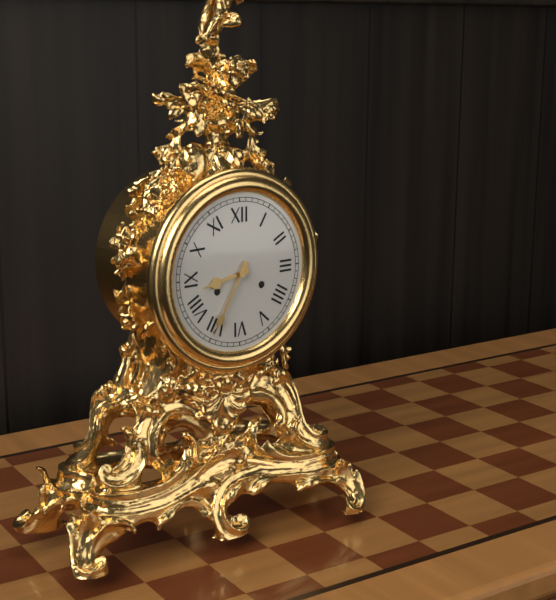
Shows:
{"hour": 8, "minute": 35}
